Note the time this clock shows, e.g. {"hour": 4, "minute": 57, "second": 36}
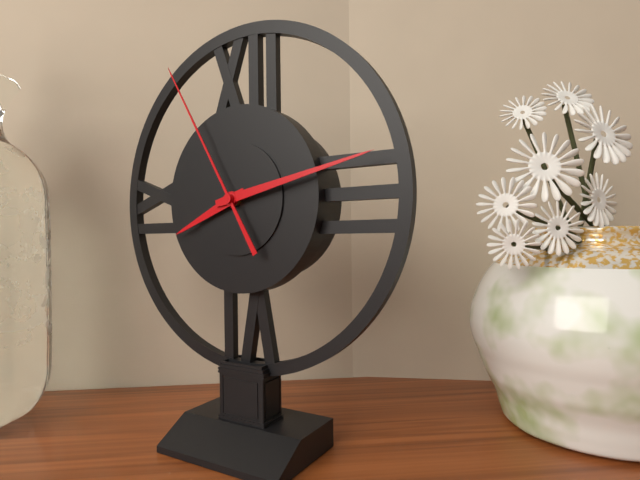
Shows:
{"hour": 8, "minute": 13, "second": 55}
